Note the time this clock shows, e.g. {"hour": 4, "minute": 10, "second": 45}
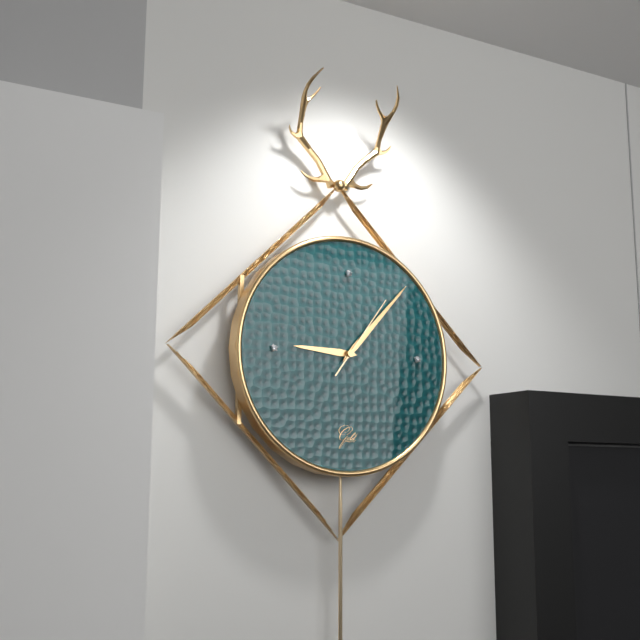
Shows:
{"hour": 9, "minute": 7, "second": 6}
